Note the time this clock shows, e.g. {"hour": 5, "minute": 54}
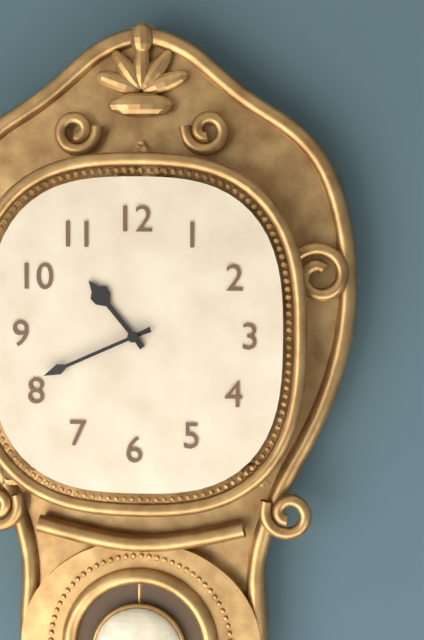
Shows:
{"hour": 10, "minute": 41}
